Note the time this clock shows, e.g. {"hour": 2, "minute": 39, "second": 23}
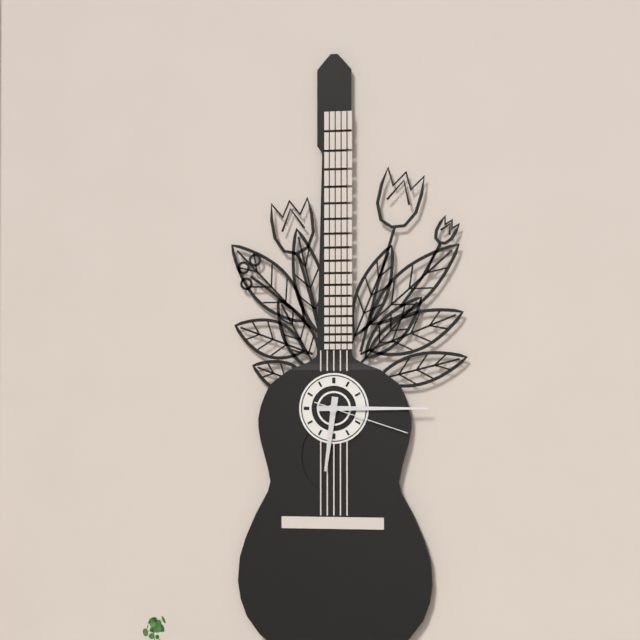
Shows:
{"hour": 6, "minute": 15, "second": 18}
